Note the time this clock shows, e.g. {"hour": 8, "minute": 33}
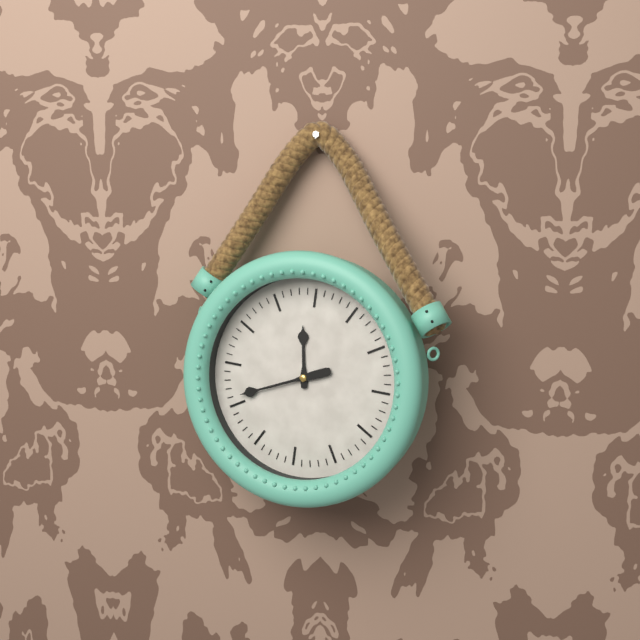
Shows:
{"hour": 11, "minute": 41}
